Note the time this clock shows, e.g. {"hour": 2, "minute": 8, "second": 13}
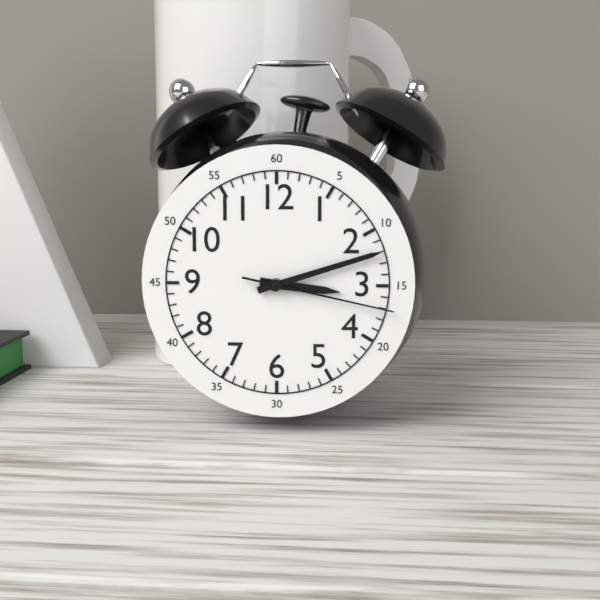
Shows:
{"hour": 3, "minute": 12, "second": 17}
